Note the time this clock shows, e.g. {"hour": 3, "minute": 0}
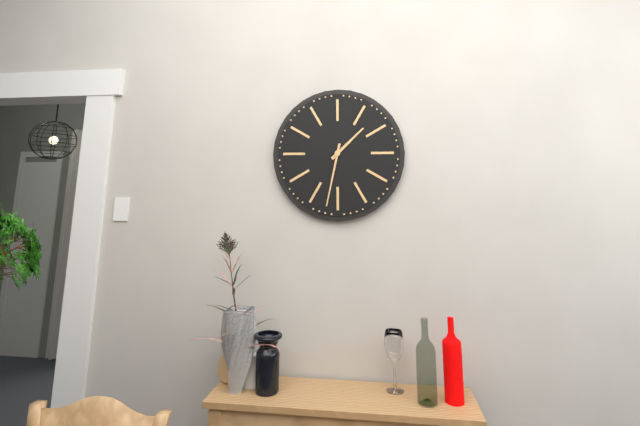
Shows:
{"hour": 1, "minute": 32}
